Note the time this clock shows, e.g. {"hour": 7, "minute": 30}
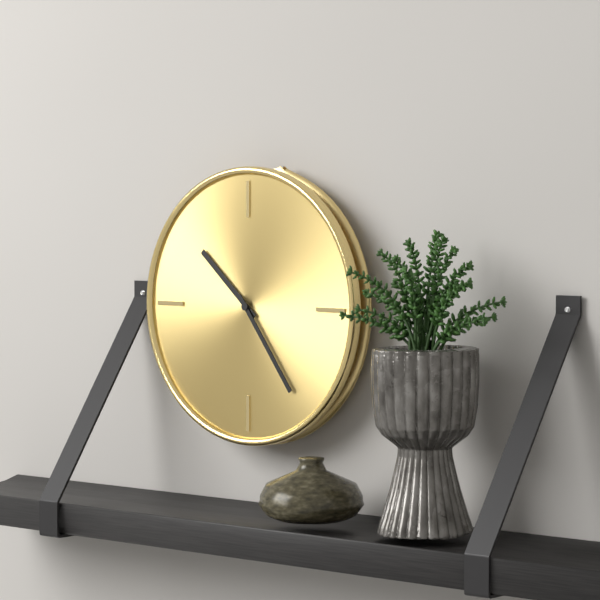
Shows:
{"hour": 10, "minute": 24}
